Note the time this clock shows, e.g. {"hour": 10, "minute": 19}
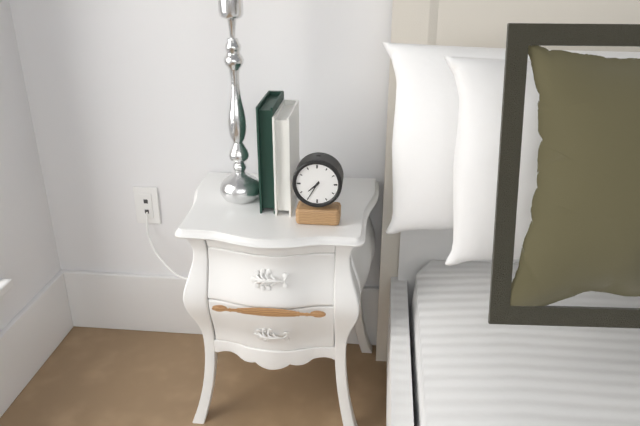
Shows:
{"hour": 7, "minute": 35}
